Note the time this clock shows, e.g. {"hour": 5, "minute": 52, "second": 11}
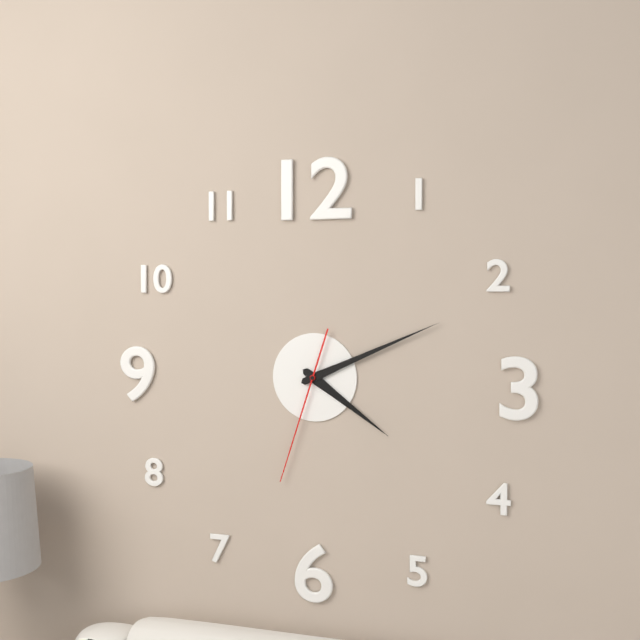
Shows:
{"hour": 4, "minute": 11, "second": 33}
